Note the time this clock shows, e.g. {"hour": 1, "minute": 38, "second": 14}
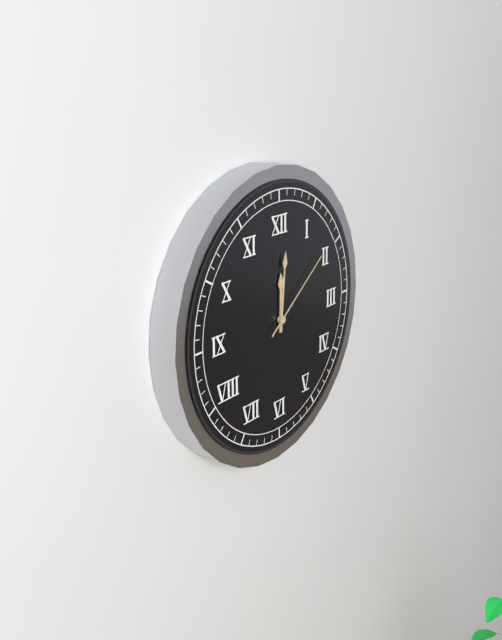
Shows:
{"hour": 12, "minute": 1, "second": 9}
